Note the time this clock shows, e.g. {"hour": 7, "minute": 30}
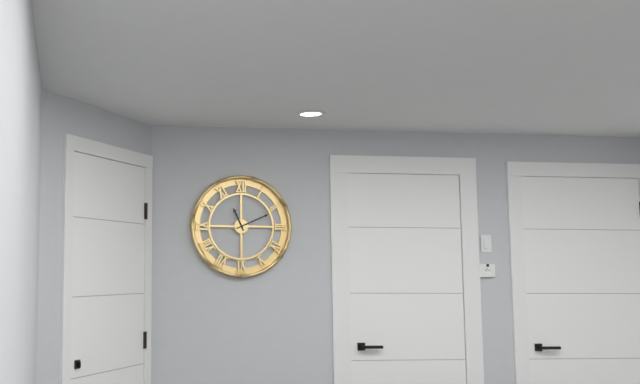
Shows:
{"hour": 11, "minute": 11}
